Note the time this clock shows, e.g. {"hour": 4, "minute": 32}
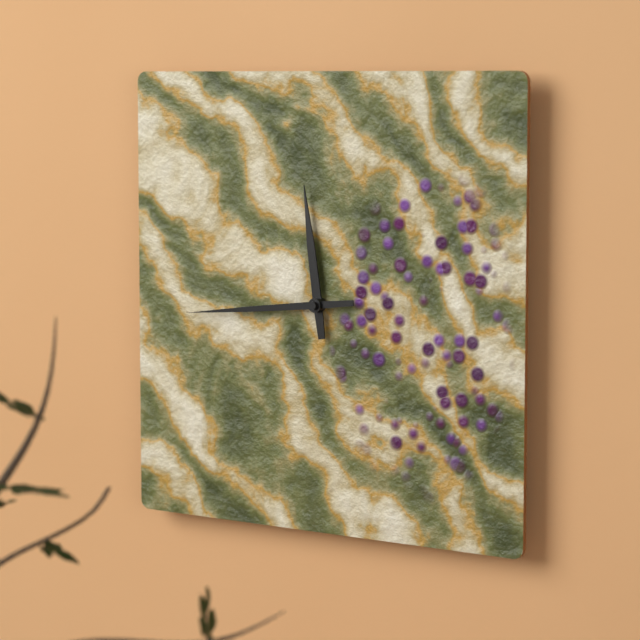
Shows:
{"hour": 11, "minute": 44}
